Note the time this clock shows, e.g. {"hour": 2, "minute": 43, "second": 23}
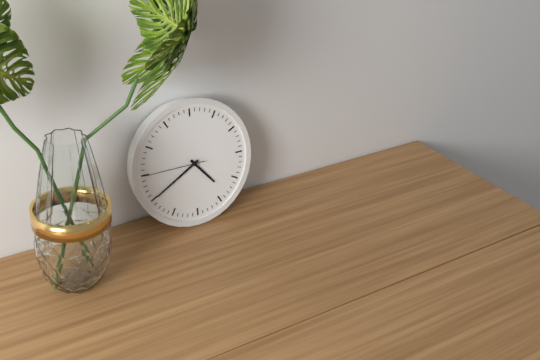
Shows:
{"hour": 4, "minute": 40, "second": 45}
